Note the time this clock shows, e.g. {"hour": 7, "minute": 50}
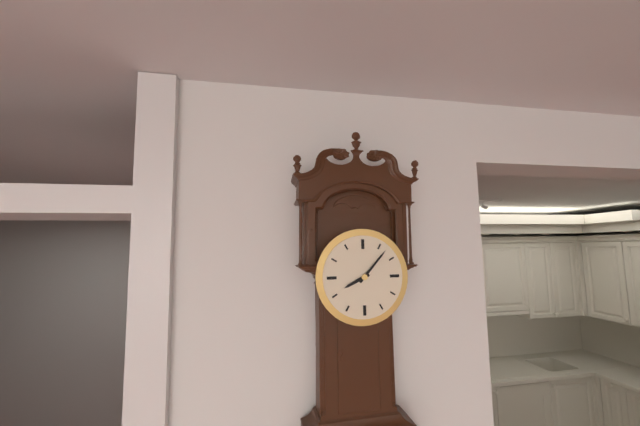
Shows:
{"hour": 8, "minute": 7}
